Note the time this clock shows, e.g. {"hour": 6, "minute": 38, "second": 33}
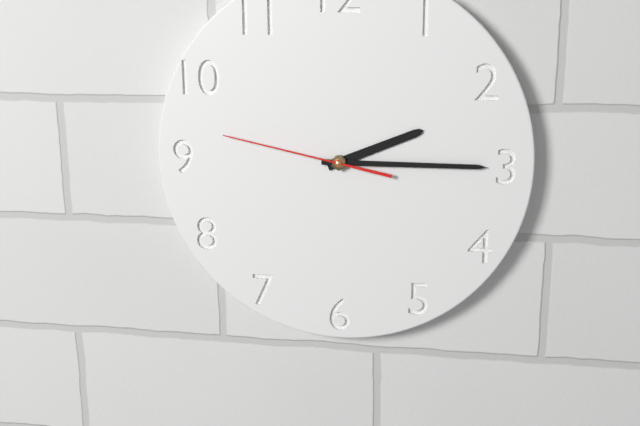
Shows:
{"hour": 2, "minute": 15, "second": 47}
